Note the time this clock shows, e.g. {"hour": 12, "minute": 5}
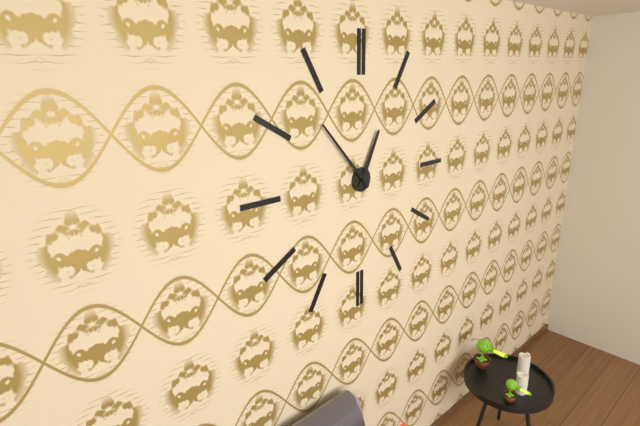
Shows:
{"hour": 12, "minute": 53}
